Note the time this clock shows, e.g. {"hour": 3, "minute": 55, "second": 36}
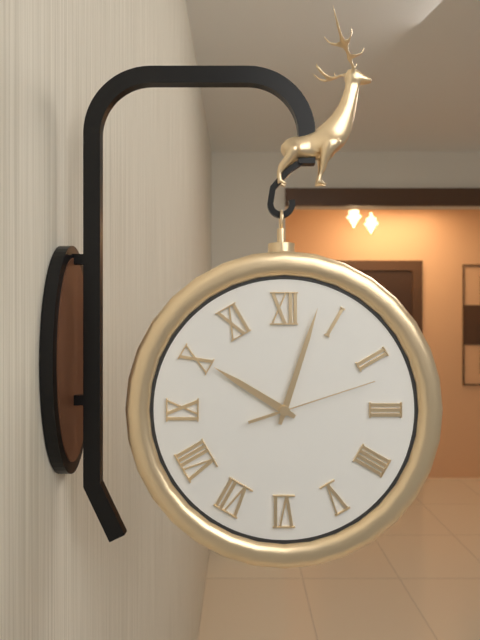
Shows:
{"hour": 10, "minute": 3, "second": 12}
